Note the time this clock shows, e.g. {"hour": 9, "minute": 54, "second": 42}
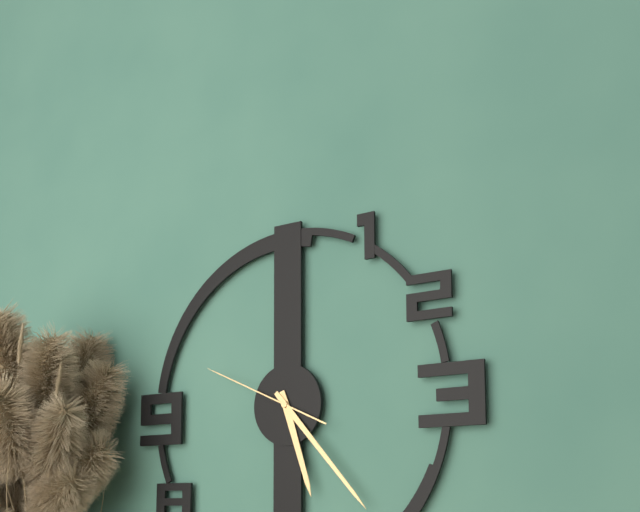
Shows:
{"hour": 5, "minute": 23, "second": 49}
